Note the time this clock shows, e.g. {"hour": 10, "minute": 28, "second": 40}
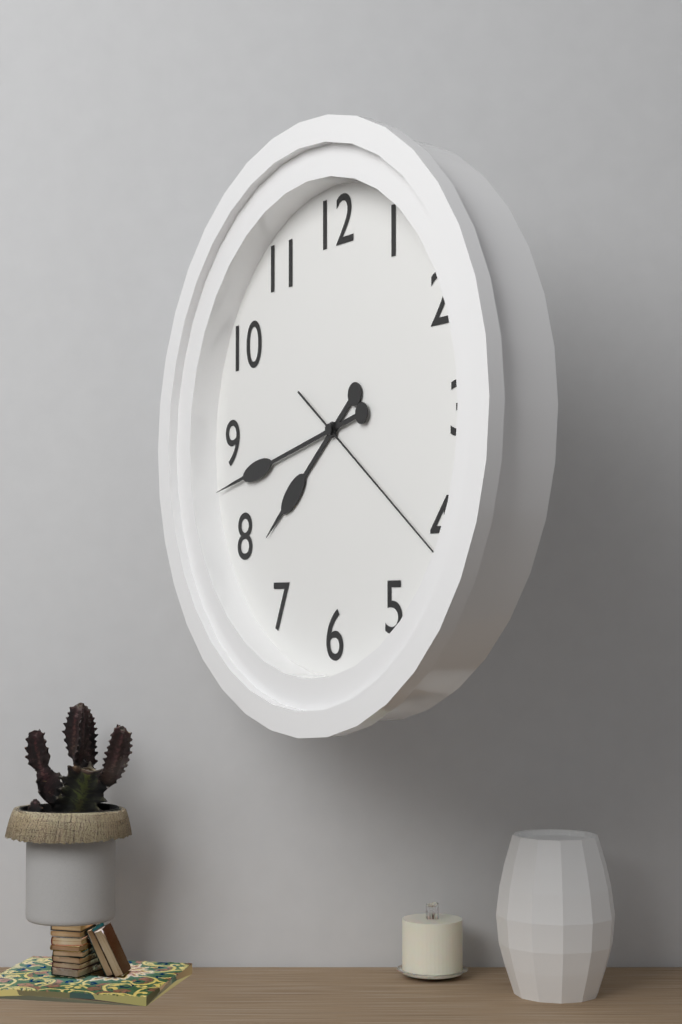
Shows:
{"hour": 7, "minute": 43, "second": 21}
